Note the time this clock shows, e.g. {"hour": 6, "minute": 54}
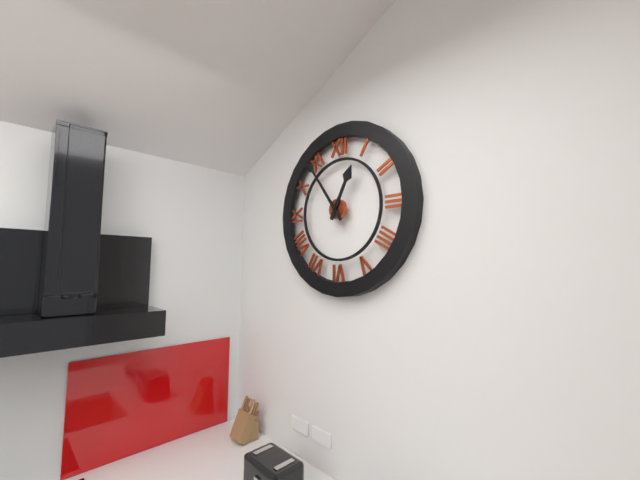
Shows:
{"hour": 12, "minute": 54}
